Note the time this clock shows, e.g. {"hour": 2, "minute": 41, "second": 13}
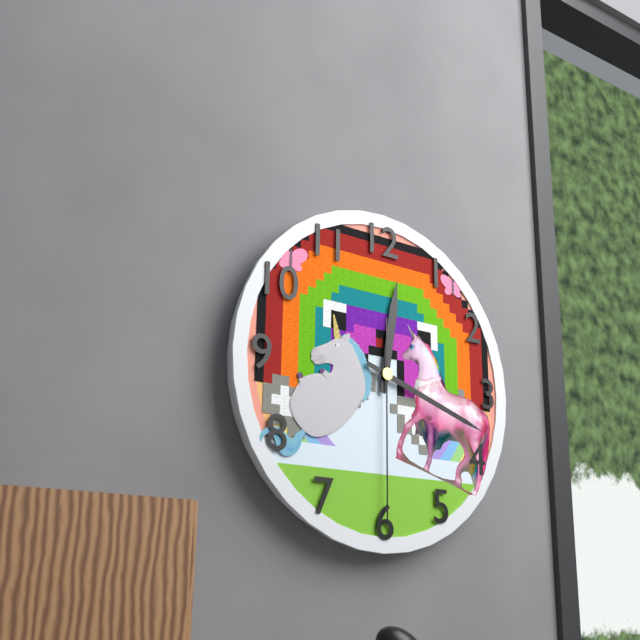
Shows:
{"hour": 12, "minute": 18, "second": 30}
